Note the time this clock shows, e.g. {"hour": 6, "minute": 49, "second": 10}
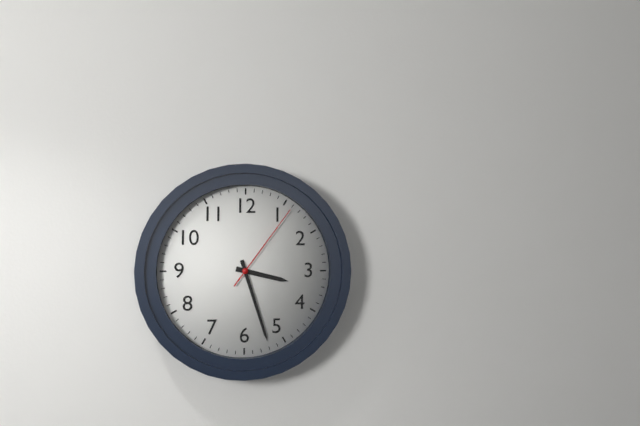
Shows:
{"hour": 3, "minute": 27, "second": 6}
